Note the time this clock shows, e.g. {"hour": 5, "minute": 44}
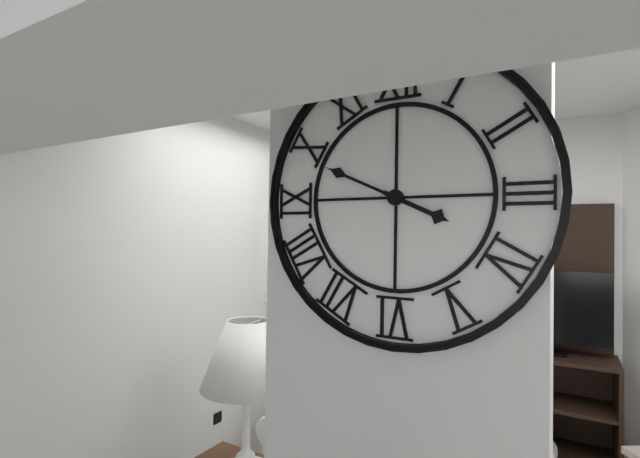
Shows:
{"hour": 3, "minute": 49}
